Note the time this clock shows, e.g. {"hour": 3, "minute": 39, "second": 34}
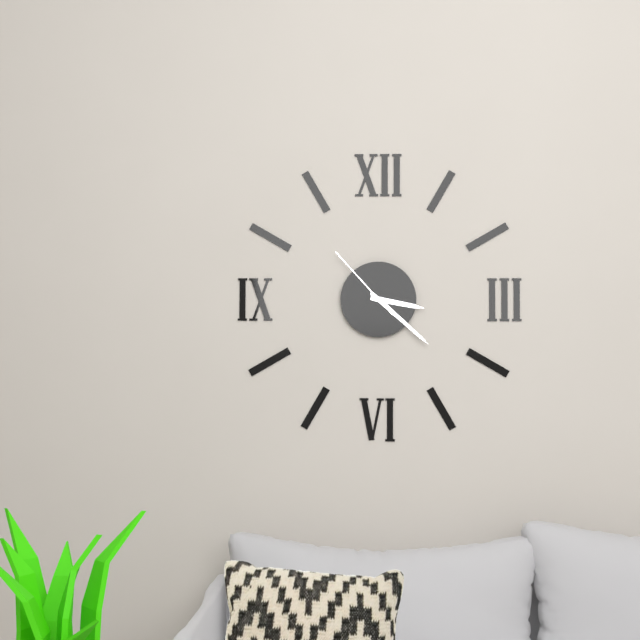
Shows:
{"hour": 3, "minute": 22, "second": 53}
